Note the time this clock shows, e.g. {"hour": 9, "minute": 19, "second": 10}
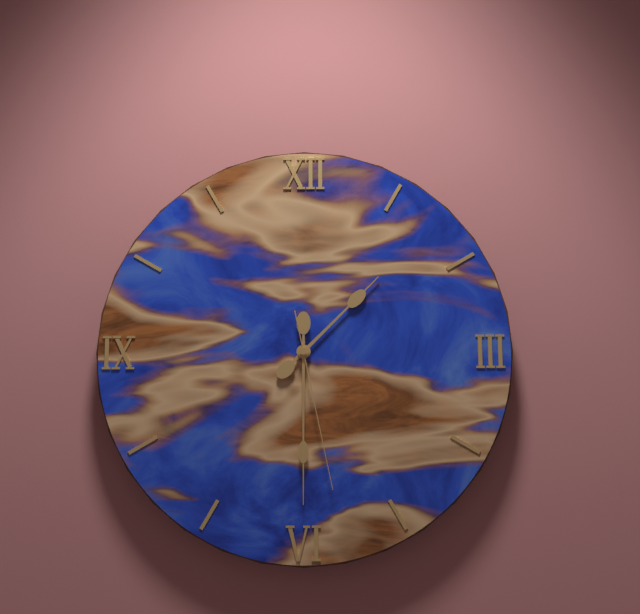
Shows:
{"hour": 1, "minute": 30, "second": 28}
